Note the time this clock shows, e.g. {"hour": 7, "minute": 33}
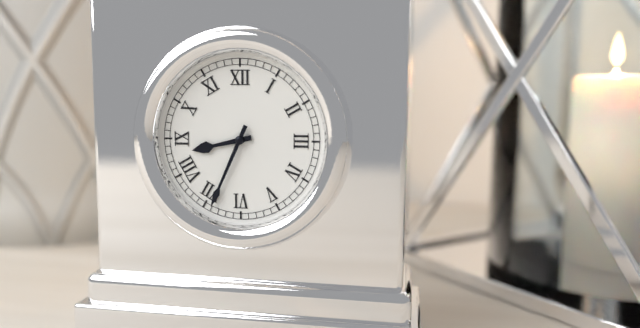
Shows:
{"hour": 8, "minute": 34}
